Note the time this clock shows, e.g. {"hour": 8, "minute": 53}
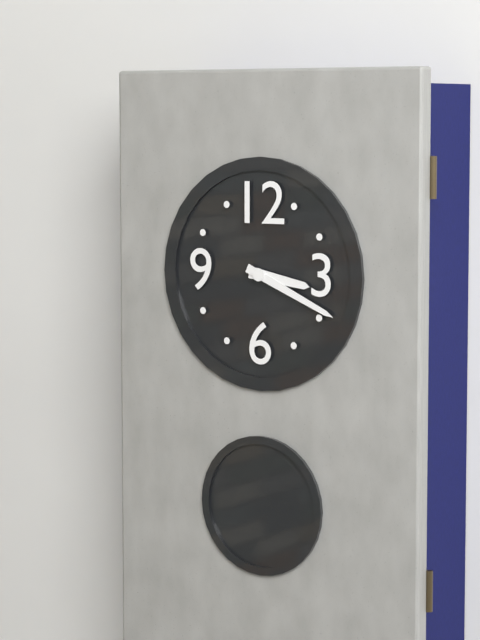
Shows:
{"hour": 3, "minute": 19}
